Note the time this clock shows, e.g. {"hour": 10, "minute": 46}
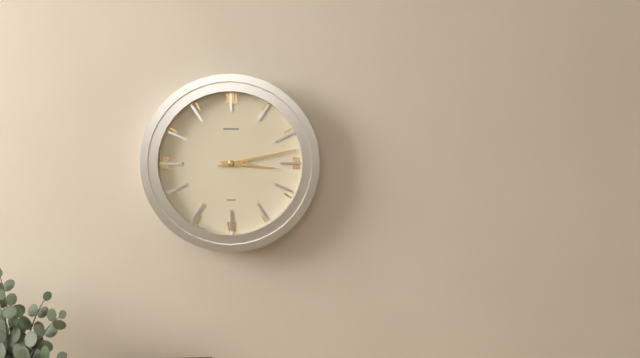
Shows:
{"hour": 3, "minute": 13}
